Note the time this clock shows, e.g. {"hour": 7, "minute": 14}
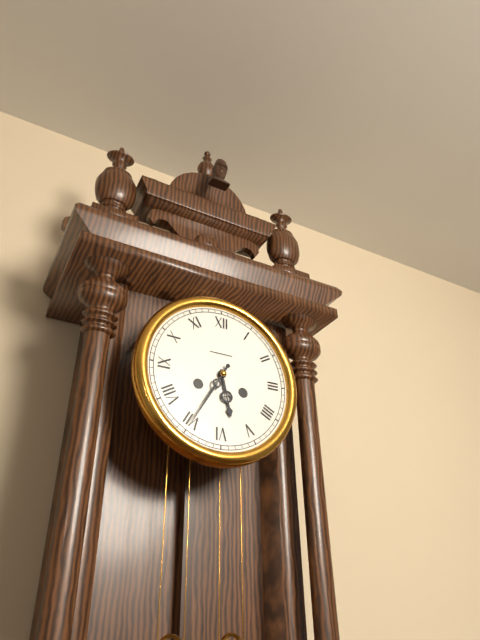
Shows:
{"hour": 5, "minute": 35}
